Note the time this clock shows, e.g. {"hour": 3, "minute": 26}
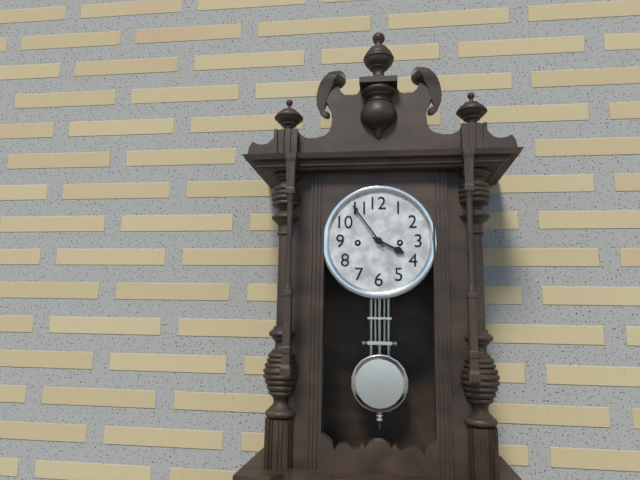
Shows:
{"hour": 3, "minute": 54}
